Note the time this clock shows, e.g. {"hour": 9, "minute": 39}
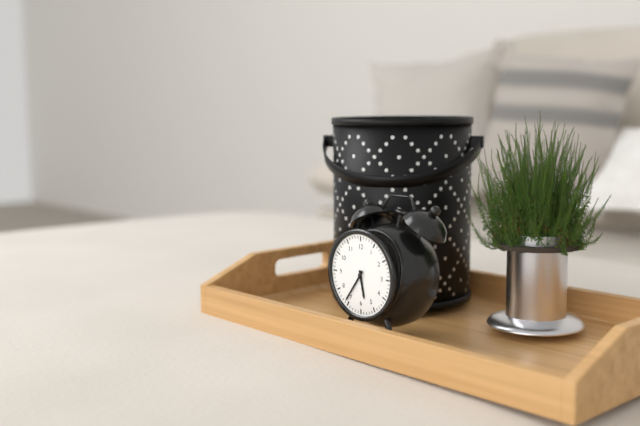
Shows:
{"hour": 5, "minute": 36}
